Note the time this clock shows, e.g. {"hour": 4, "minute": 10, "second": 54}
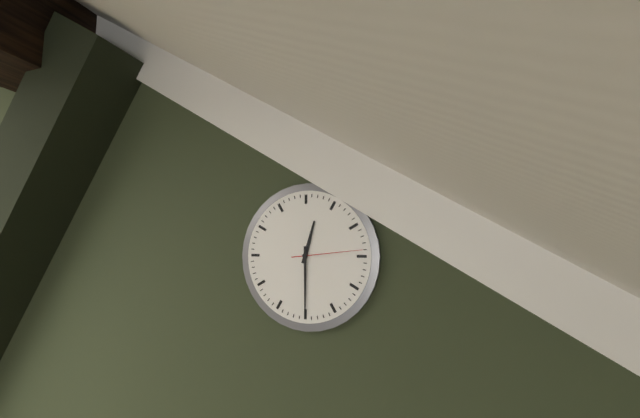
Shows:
{"hour": 12, "minute": 30, "second": 14}
